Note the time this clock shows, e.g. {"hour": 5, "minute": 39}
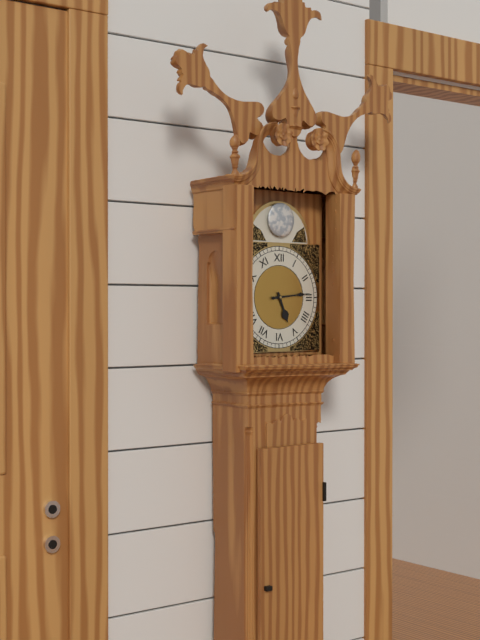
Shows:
{"hour": 5, "minute": 14}
